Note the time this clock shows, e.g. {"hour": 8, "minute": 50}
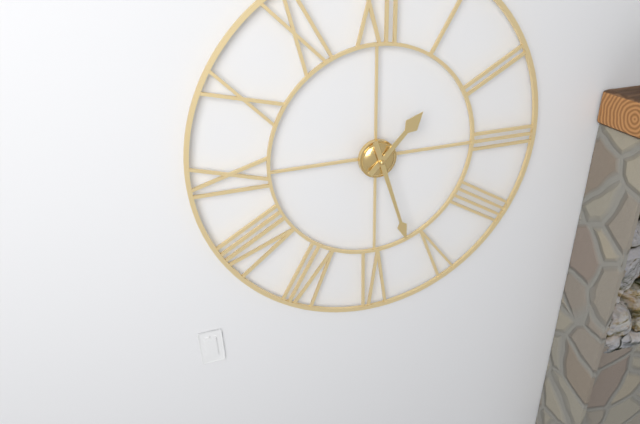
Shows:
{"hour": 1, "minute": 27}
